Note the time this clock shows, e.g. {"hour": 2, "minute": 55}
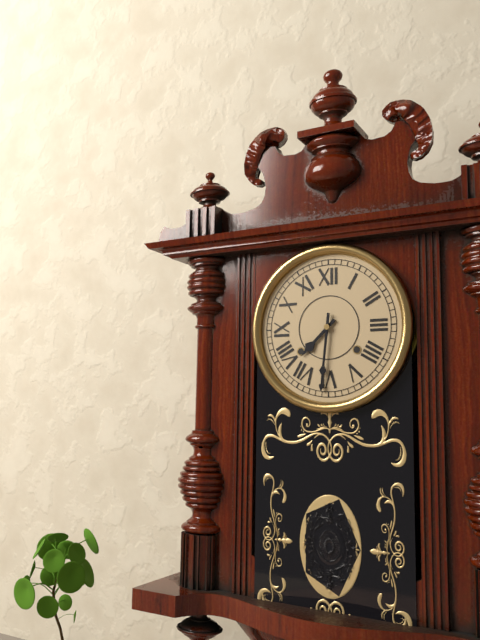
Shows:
{"hour": 7, "minute": 31}
